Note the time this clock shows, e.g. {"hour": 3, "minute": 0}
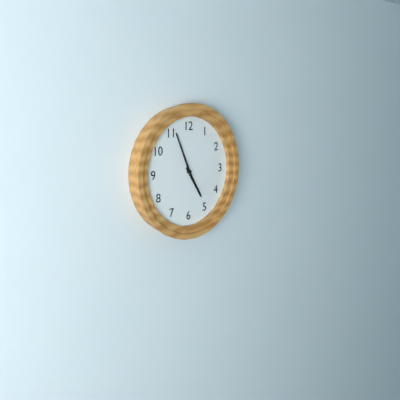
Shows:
{"hour": 4, "minute": 56}
